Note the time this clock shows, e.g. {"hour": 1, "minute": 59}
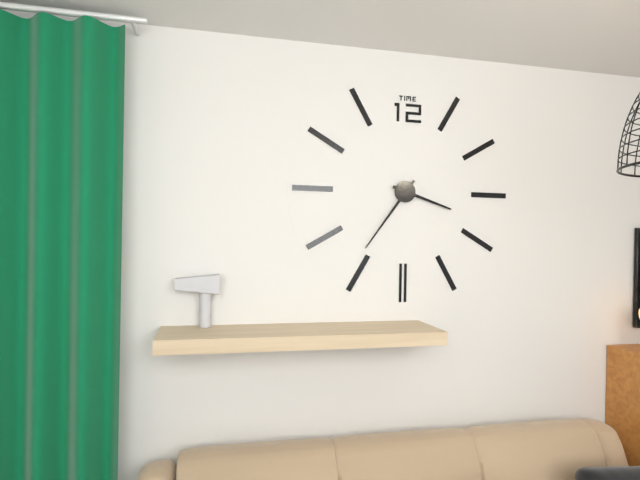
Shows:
{"hour": 3, "minute": 36}
